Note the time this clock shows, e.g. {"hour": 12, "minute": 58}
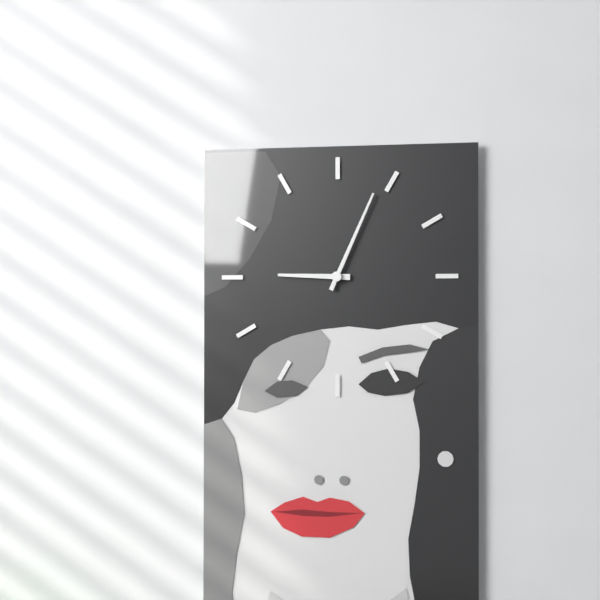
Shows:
{"hour": 9, "minute": 4}
